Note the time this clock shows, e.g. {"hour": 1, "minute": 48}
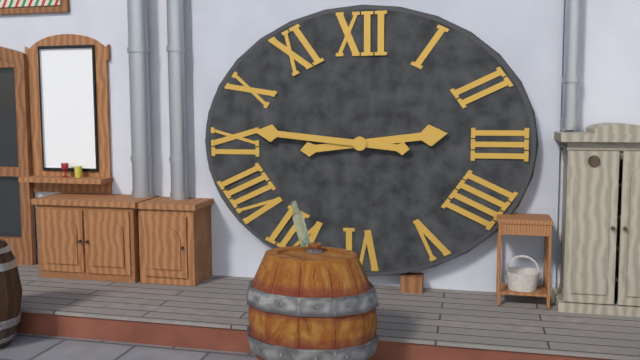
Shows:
{"hour": 2, "minute": 46}
